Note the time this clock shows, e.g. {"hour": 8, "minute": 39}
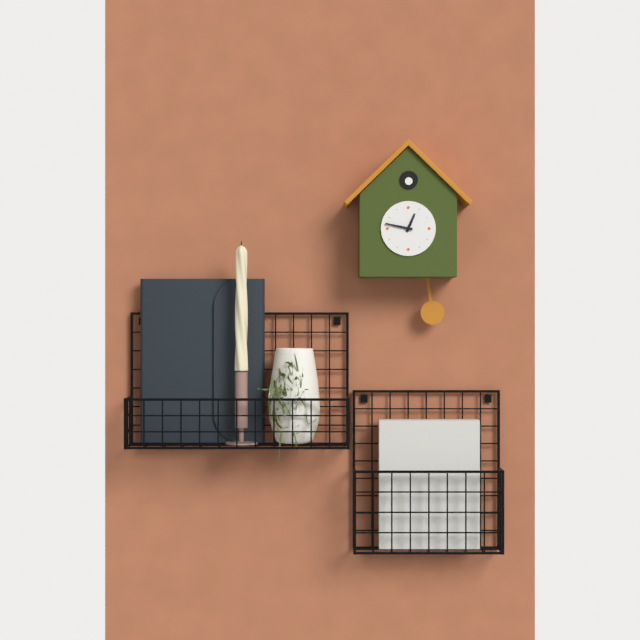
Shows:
{"hour": 12, "minute": 47}
